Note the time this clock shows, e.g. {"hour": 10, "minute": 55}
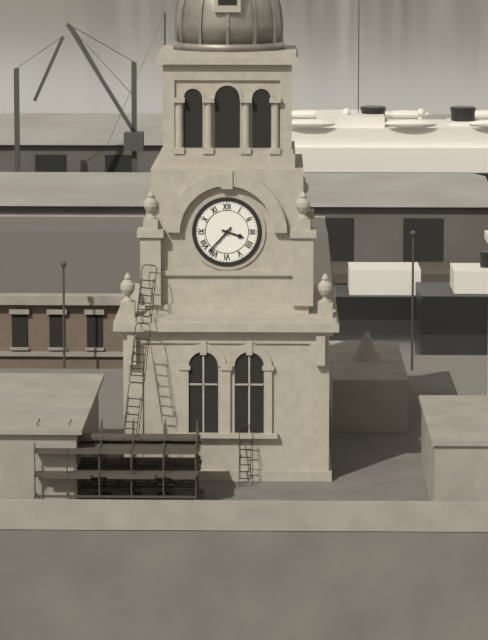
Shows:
{"hour": 3, "minute": 37}
